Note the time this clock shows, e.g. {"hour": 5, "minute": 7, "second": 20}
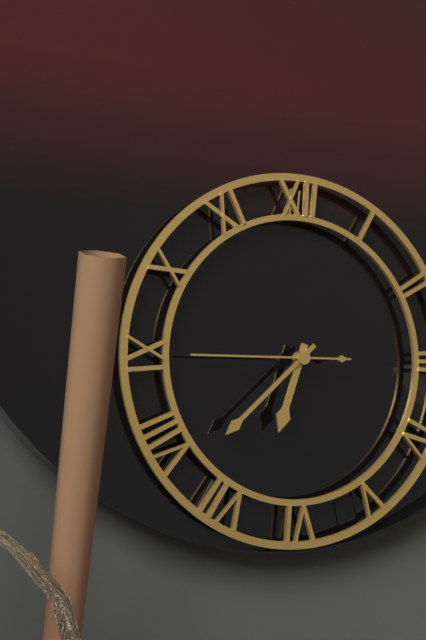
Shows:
{"hour": 6, "minute": 38, "second": 45}
